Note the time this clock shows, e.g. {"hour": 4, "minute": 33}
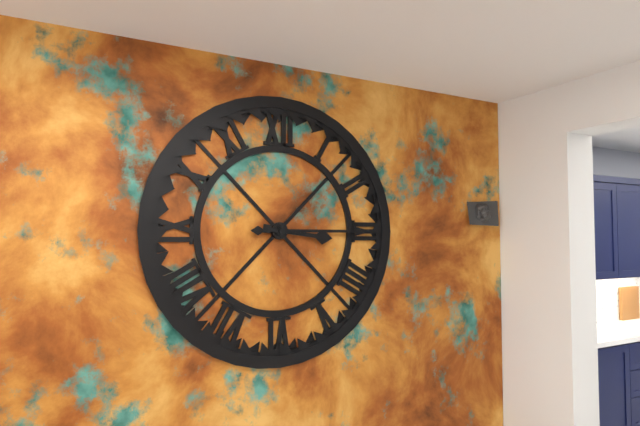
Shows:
{"hour": 3, "minute": 15}
